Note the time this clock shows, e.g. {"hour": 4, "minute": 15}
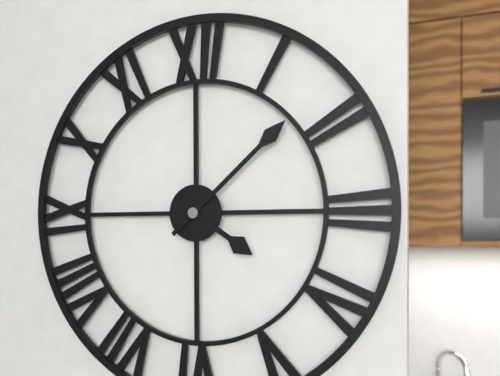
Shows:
{"hour": 4, "minute": 8}
